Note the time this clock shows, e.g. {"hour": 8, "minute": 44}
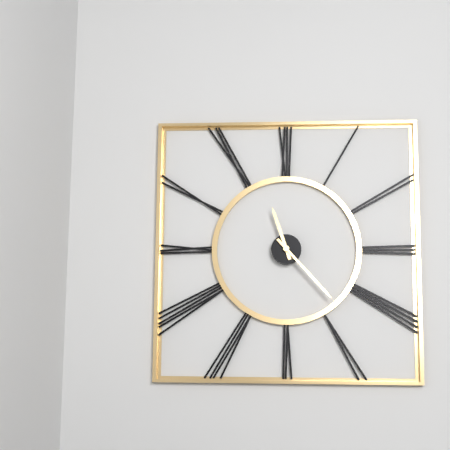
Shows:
{"hour": 11, "minute": 23}
